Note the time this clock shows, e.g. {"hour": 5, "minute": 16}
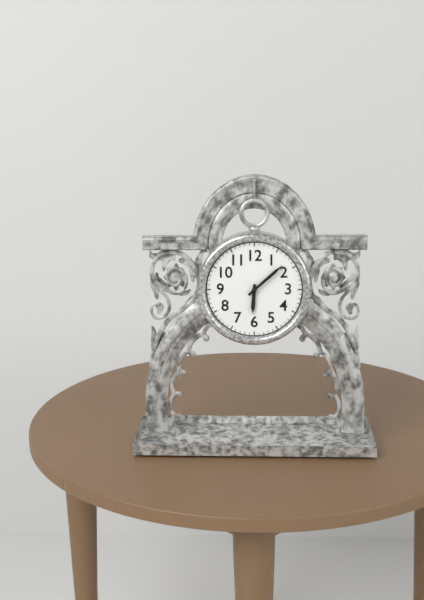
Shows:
{"hour": 6, "minute": 8}
